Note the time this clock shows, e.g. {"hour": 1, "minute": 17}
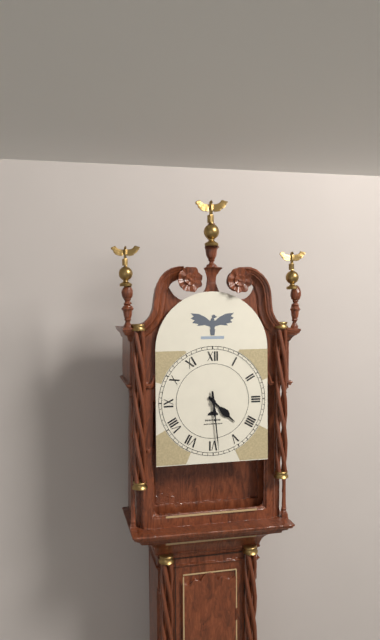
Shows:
{"hour": 4, "minute": 29}
